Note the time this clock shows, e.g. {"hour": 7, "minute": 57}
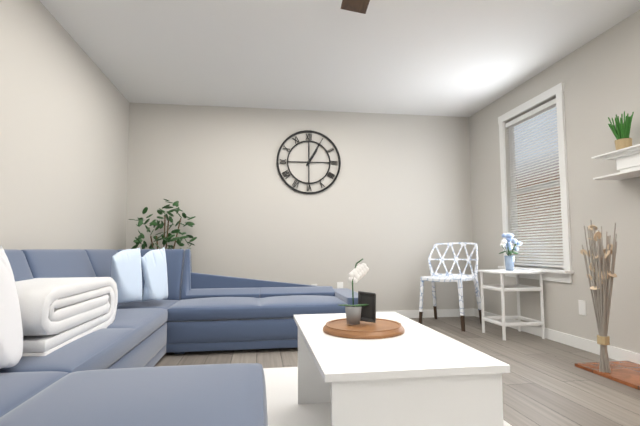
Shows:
{"hour": 1, "minute": 5}
